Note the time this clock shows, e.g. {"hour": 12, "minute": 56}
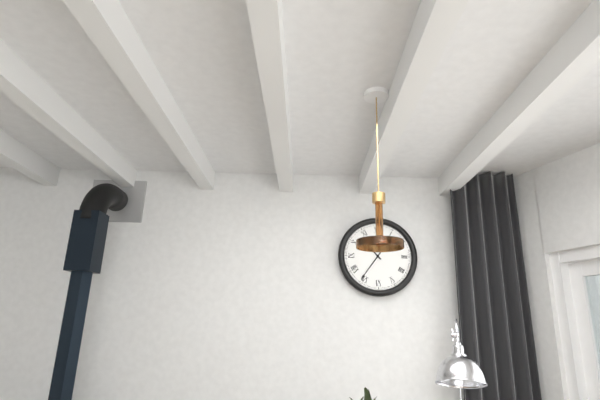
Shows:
{"hour": 10, "minute": 36}
